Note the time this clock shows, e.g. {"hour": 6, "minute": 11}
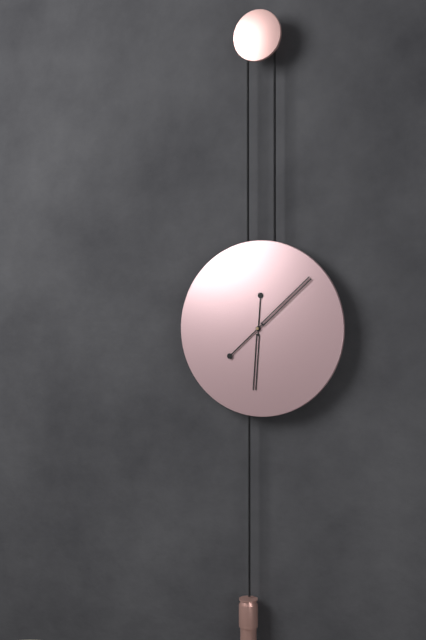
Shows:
{"hour": 6, "minute": 8}
